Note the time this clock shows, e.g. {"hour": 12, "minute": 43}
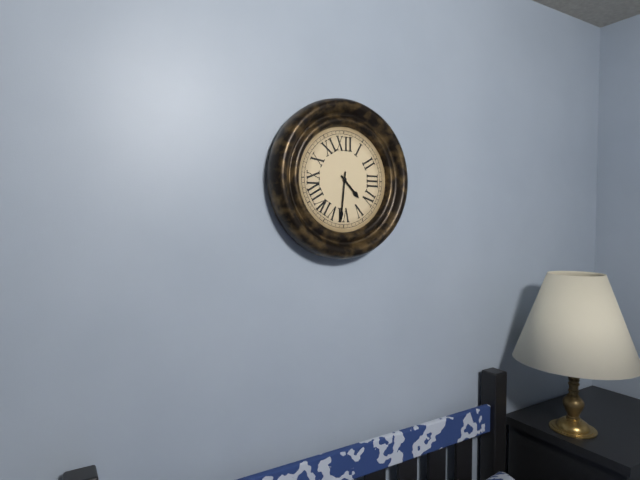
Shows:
{"hour": 4, "minute": 31}
